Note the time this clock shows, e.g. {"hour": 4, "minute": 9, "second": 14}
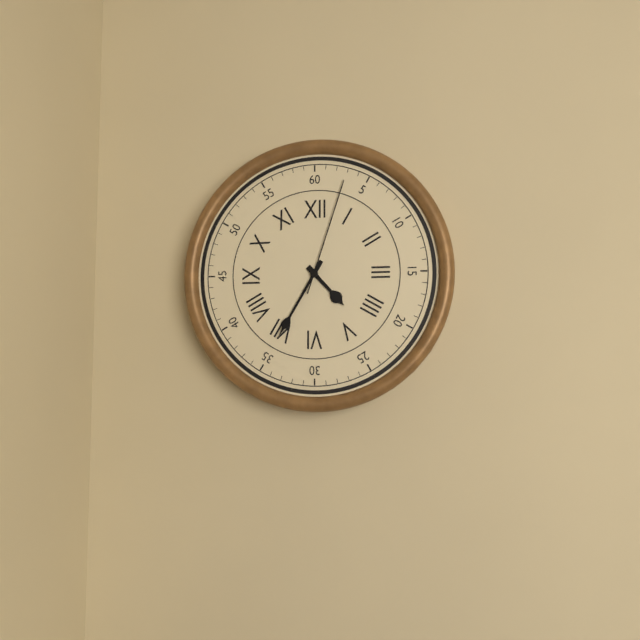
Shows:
{"hour": 4, "minute": 35, "second": 3}
